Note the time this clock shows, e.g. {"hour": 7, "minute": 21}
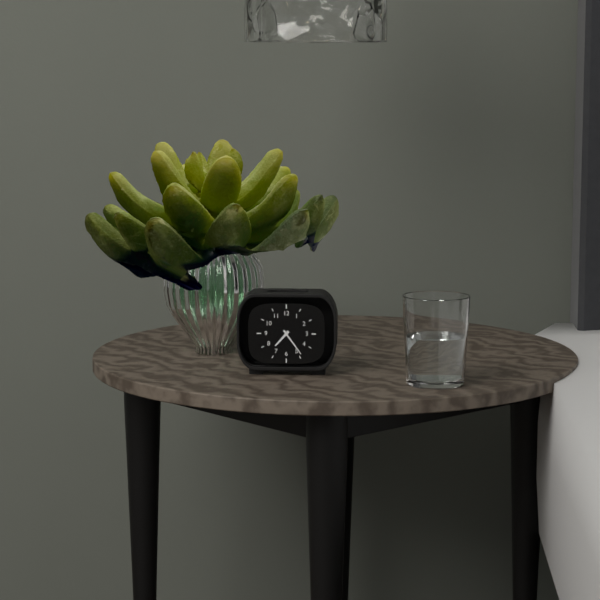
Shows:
{"hour": 7, "minute": 24}
